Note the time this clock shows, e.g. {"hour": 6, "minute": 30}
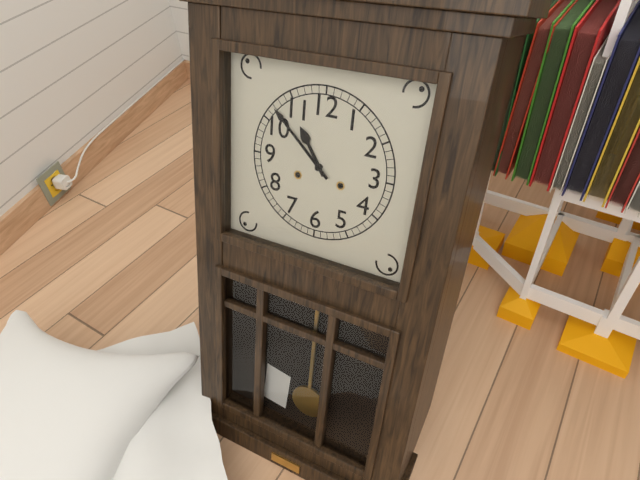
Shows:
{"hour": 10, "minute": 52}
